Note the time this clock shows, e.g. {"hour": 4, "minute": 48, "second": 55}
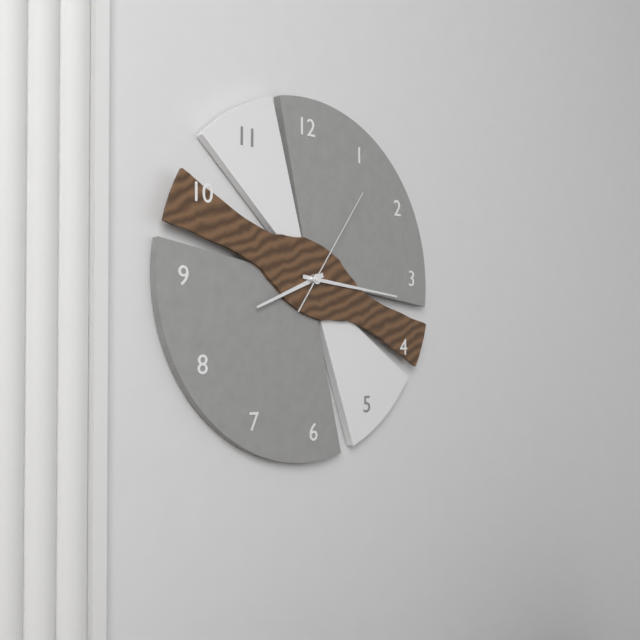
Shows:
{"hour": 8, "minute": 16, "second": 6}
